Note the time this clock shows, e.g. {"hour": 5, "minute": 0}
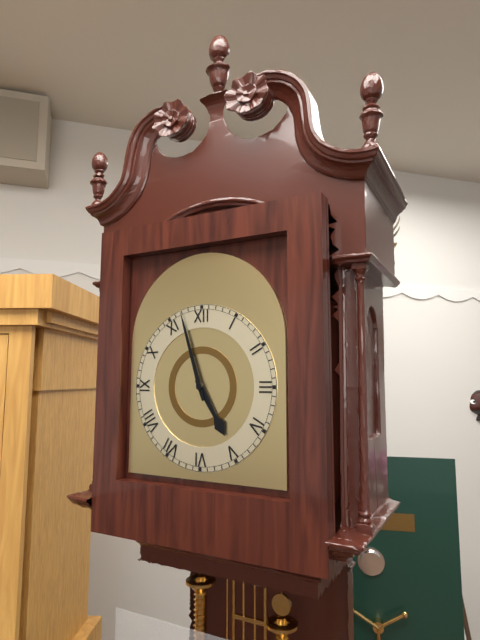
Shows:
{"hour": 4, "minute": 57}
